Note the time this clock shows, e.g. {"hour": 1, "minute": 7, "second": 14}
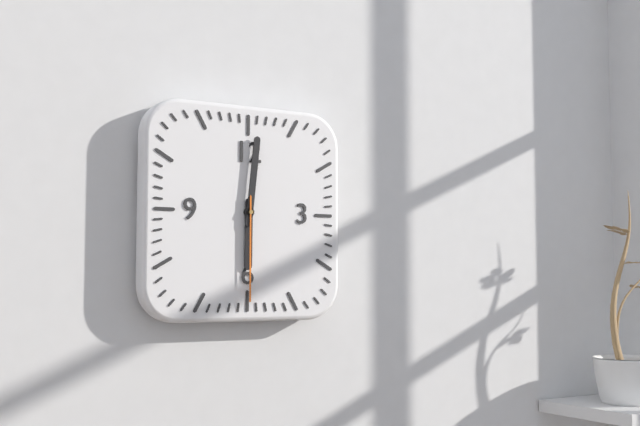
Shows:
{"hour": 6, "minute": 1, "second": 30}
